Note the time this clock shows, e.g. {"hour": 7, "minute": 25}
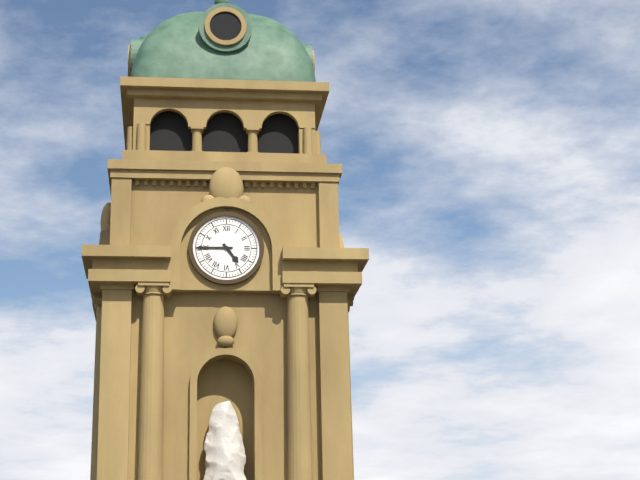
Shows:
{"hour": 4, "minute": 45}
